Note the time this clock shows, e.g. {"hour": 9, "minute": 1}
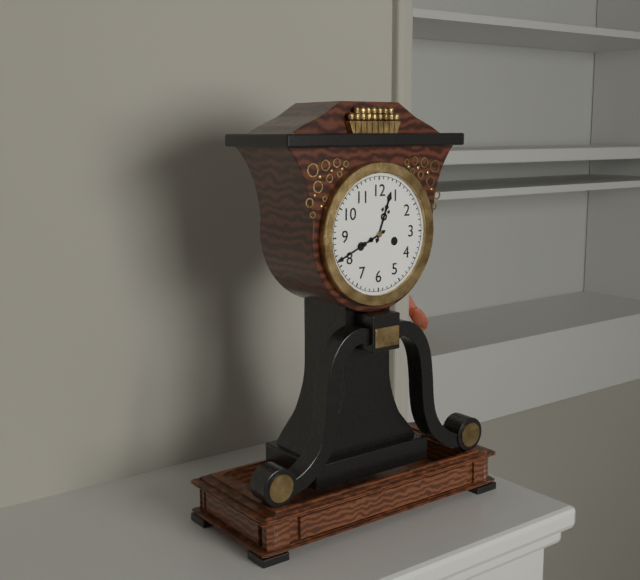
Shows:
{"hour": 12, "minute": 41}
